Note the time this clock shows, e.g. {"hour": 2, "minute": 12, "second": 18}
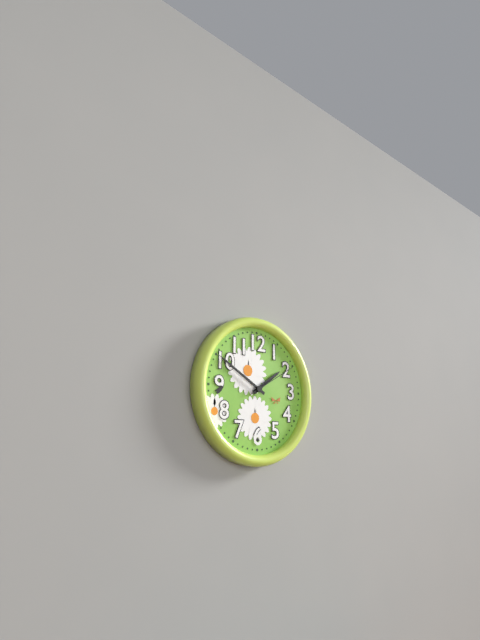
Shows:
{"hour": 1, "minute": 50, "second": 10}
